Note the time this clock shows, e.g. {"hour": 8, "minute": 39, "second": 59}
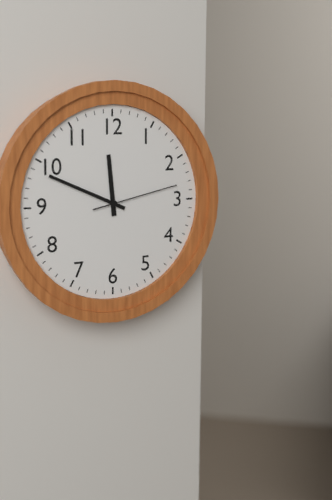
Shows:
{"hour": 11, "minute": 49, "second": 13}
